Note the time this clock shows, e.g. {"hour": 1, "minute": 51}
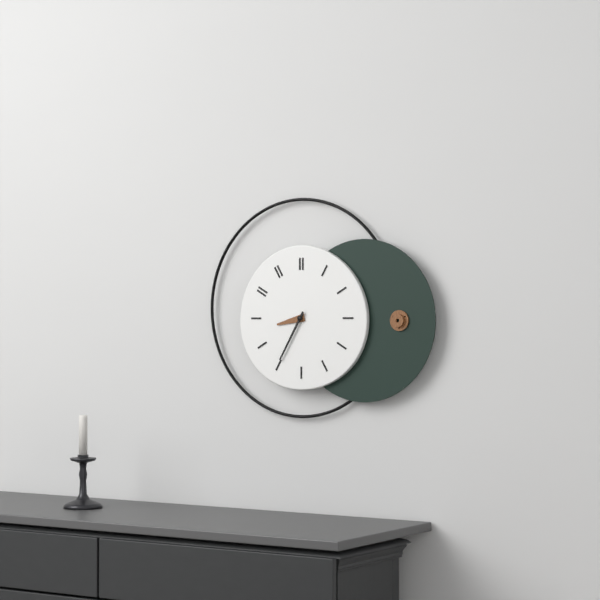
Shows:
{"hour": 8, "minute": 35}
